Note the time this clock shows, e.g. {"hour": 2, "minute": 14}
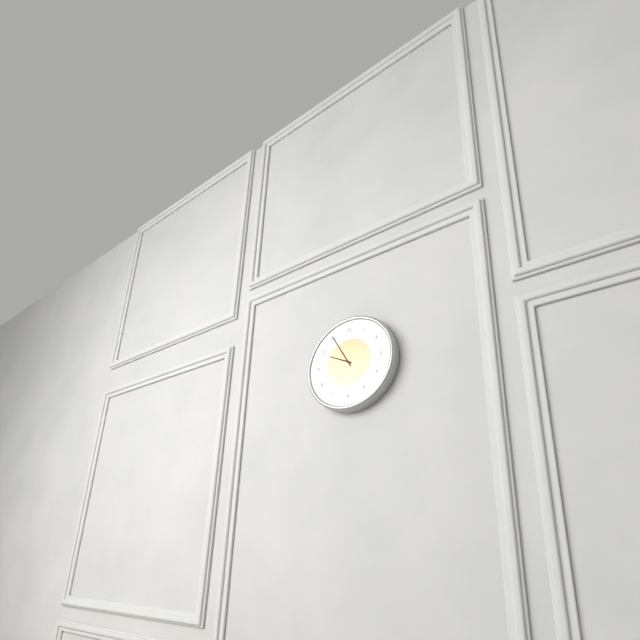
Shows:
{"hour": 9, "minute": 55}
